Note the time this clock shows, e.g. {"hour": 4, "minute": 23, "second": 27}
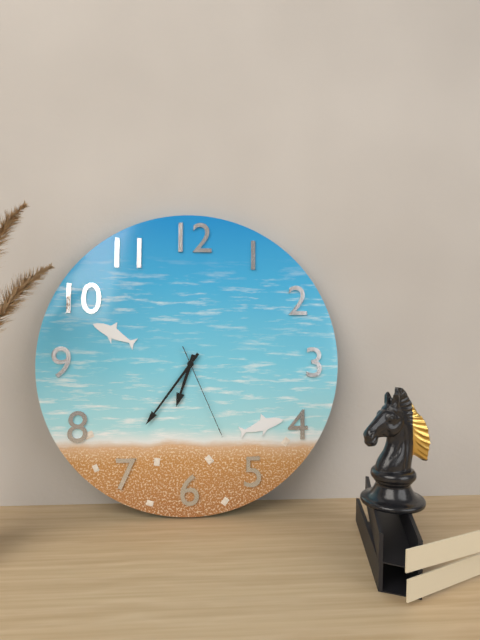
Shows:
{"hour": 6, "minute": 36, "second": 26}
